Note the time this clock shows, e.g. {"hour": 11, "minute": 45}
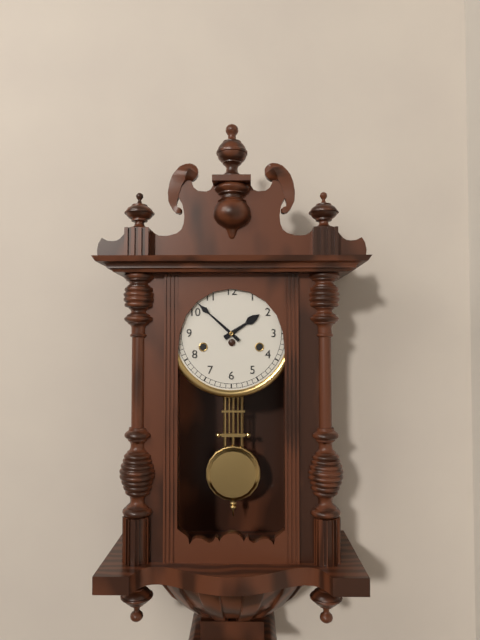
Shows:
{"hour": 1, "minute": 52}
